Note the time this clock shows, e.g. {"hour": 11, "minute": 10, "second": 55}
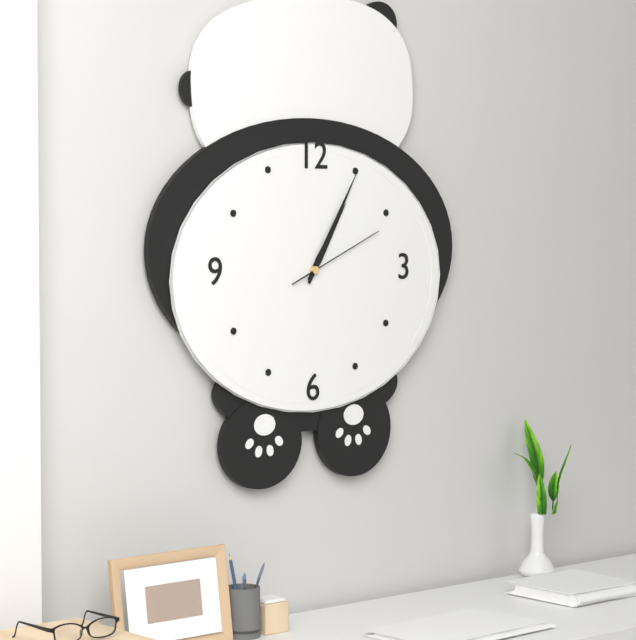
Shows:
{"hour": 1, "minute": 5, "second": 11}
